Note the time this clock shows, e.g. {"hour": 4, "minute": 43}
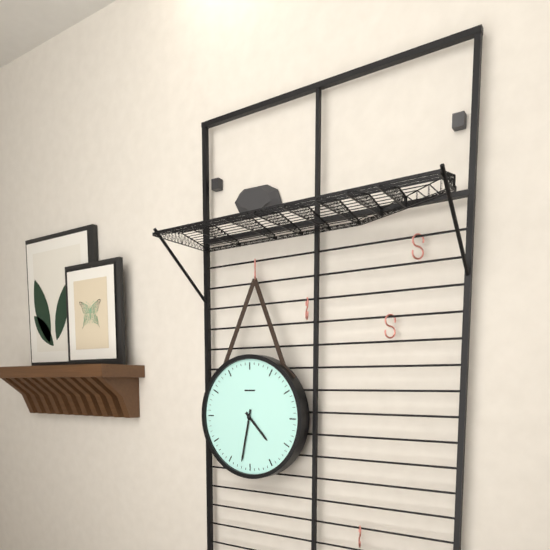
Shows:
{"hour": 4, "minute": 32}
